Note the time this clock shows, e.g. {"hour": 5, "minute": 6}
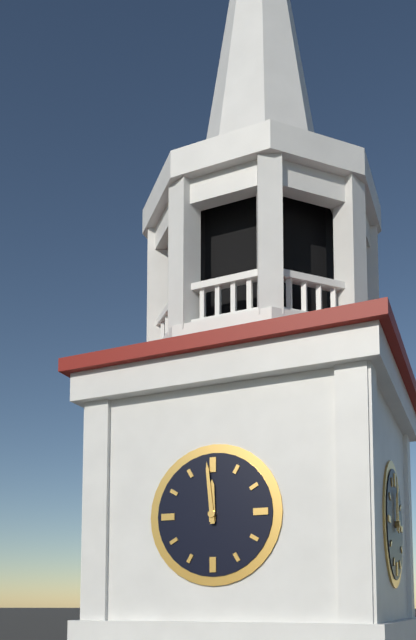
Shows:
{"hour": 11, "minute": 59}
